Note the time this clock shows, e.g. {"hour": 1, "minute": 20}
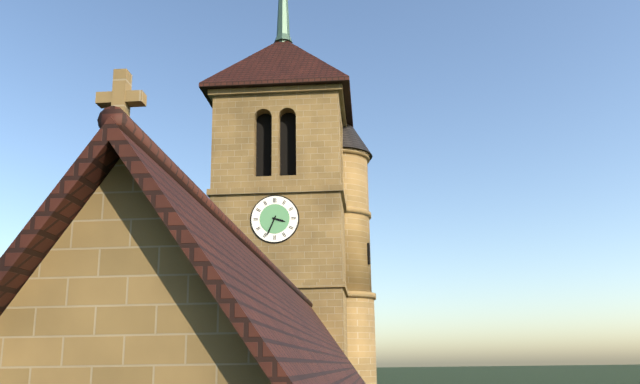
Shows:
{"hour": 3, "minute": 34}
